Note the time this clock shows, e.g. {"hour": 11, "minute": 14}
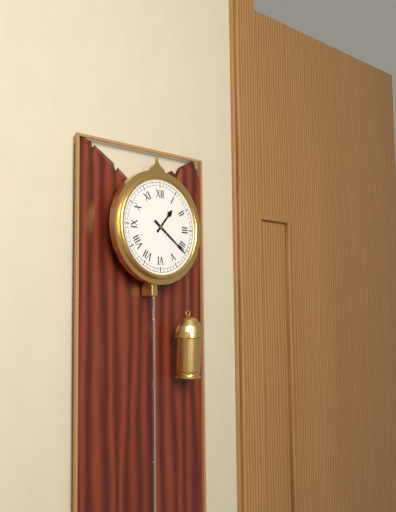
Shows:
{"hour": 1, "minute": 21}
